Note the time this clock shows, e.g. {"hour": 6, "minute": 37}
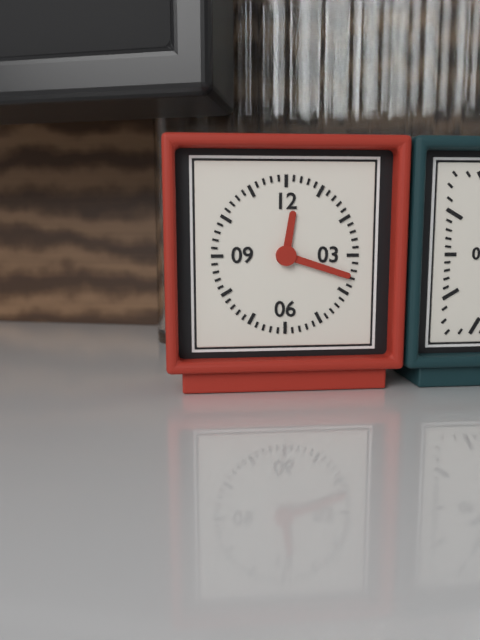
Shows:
{"hour": 12, "minute": 18}
